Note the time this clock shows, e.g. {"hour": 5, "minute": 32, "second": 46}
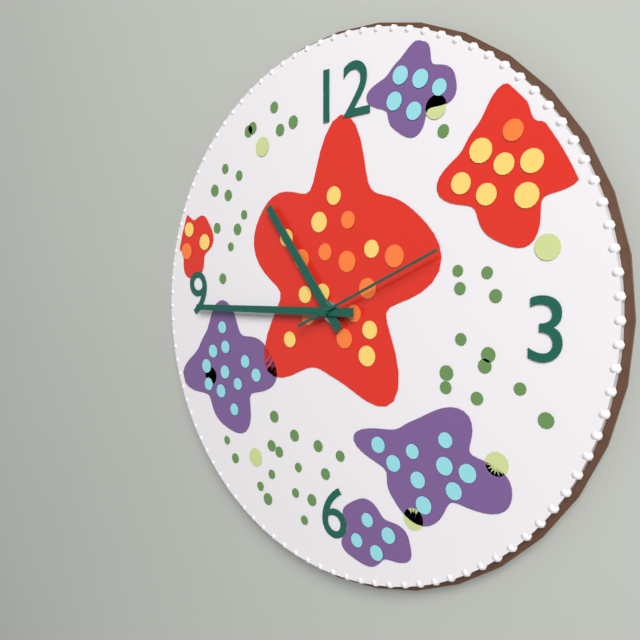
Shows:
{"hour": 10, "minute": 45, "second": 11}
